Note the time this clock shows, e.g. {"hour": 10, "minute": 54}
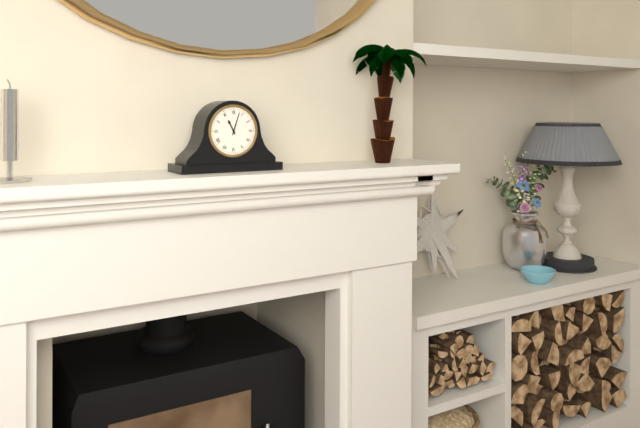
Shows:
{"hour": 11, "minute": 3}
